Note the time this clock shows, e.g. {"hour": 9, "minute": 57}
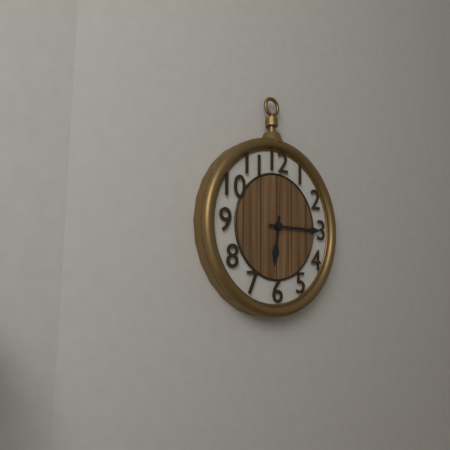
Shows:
{"hour": 6, "minute": 15}
